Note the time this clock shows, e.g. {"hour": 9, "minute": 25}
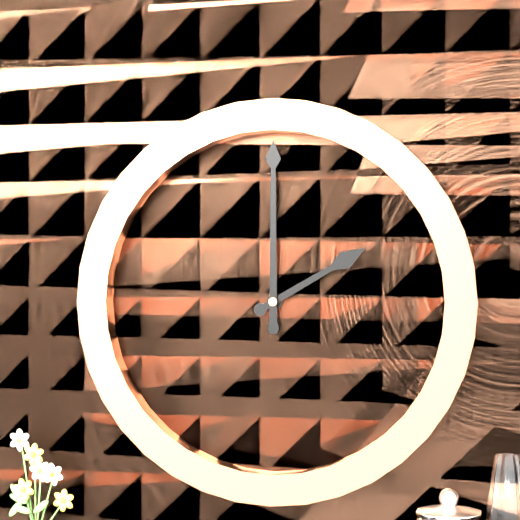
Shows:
{"hour": 2, "minute": 0}
